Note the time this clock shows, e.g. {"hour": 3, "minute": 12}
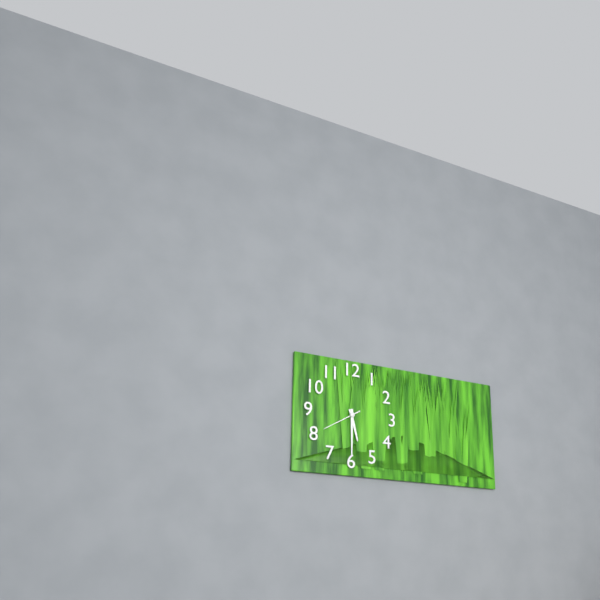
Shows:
{"hour": 5, "minute": 30}
